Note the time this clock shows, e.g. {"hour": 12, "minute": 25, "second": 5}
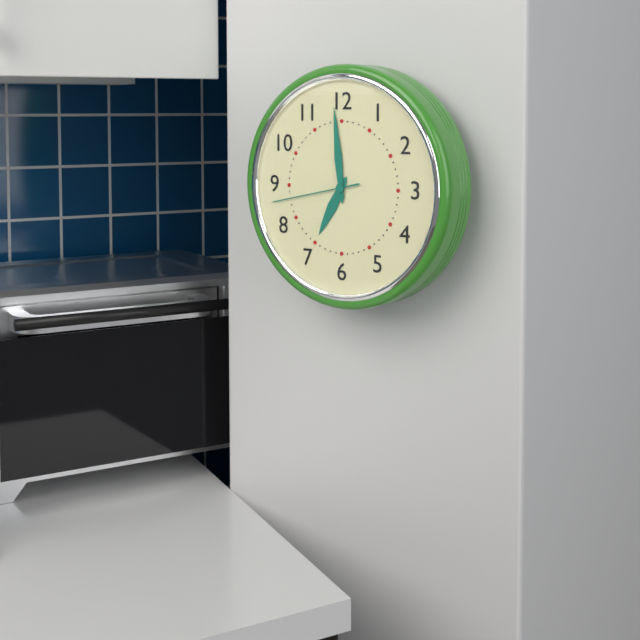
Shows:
{"hour": 6, "minute": 59, "second": 43}
